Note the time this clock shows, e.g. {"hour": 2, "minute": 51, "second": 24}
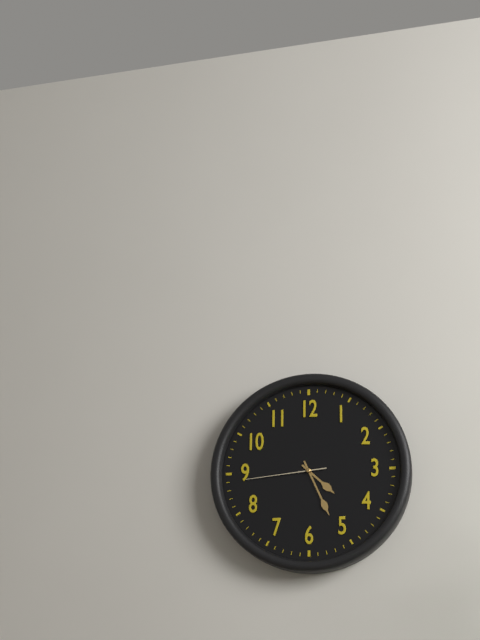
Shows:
{"hour": 4, "minute": 26, "second": 44}
